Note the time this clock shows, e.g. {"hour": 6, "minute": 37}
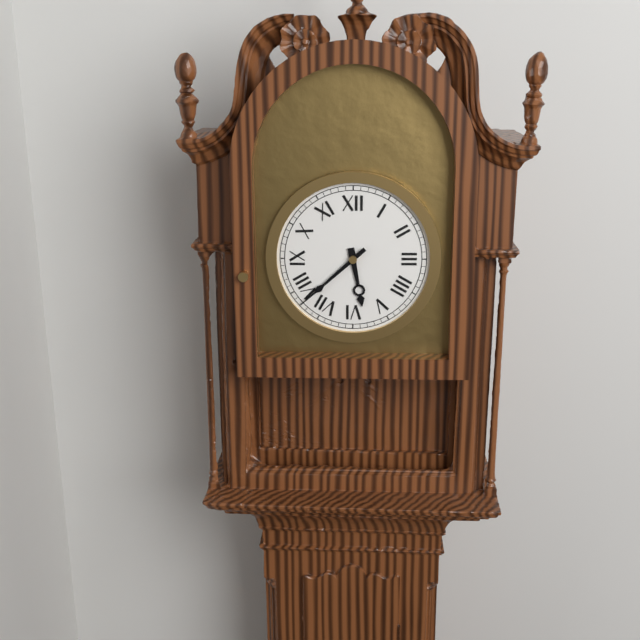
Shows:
{"hour": 5, "minute": 38}
